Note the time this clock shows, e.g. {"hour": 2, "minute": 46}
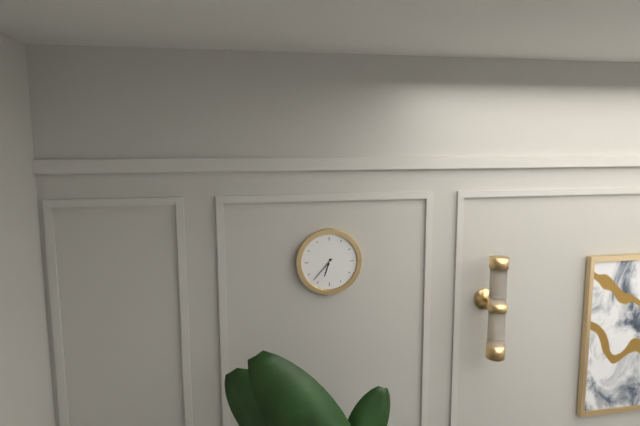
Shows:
{"hour": 6, "minute": 37}
